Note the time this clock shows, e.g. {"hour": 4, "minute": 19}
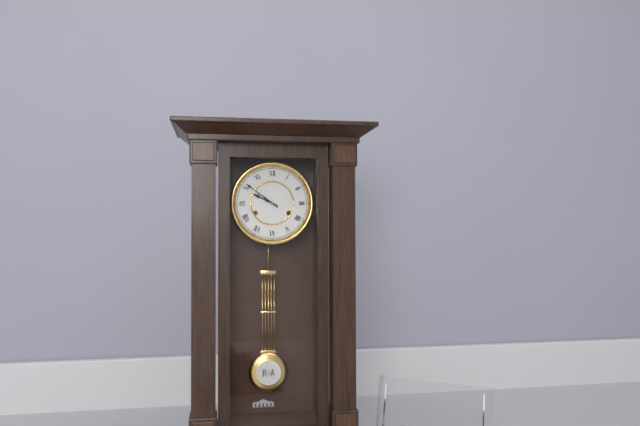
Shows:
{"hour": 9, "minute": 51}
